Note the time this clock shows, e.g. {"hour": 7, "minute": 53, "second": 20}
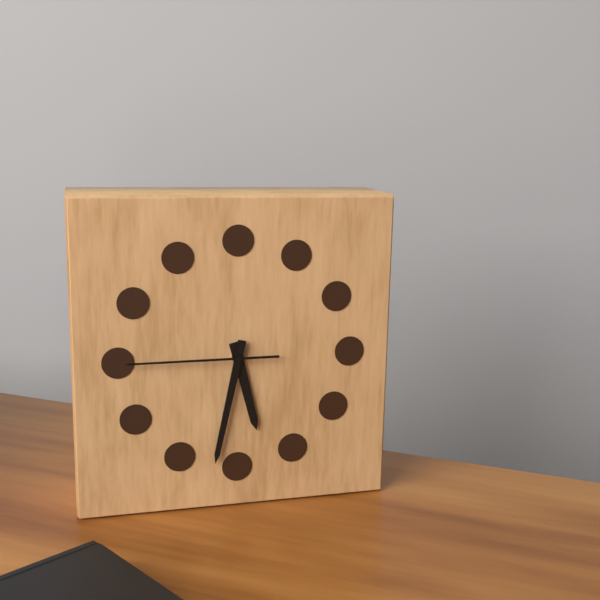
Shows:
{"hour": 5, "minute": 32, "second": 45}
